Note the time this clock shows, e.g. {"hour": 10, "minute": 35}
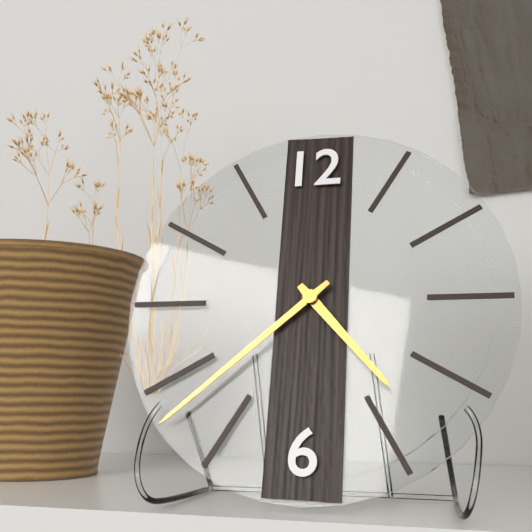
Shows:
{"hour": 4, "minute": 38}
